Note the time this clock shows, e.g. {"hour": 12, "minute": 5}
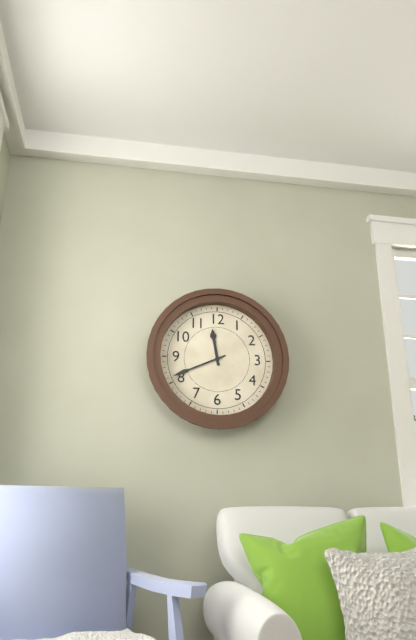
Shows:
{"hour": 11, "minute": 41}
